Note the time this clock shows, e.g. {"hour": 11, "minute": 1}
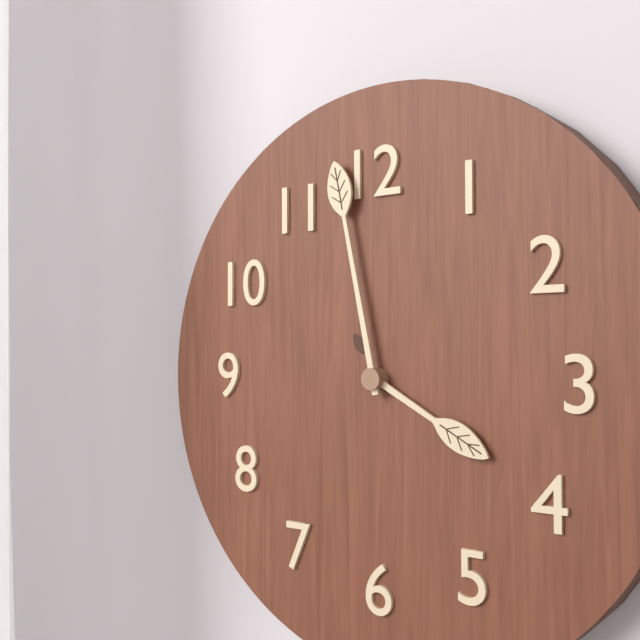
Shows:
{"hour": 3, "minute": 58}
